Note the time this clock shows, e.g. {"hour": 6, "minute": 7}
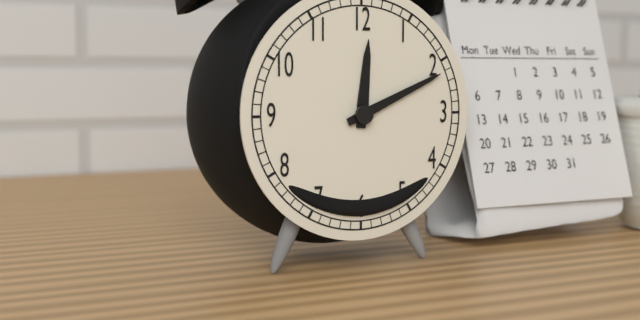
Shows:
{"hour": 12, "minute": 11}
